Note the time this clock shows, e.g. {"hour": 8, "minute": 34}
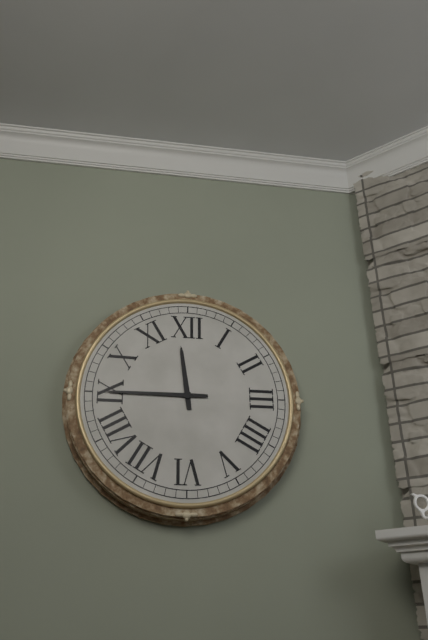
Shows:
{"hour": 11, "minute": 45}
